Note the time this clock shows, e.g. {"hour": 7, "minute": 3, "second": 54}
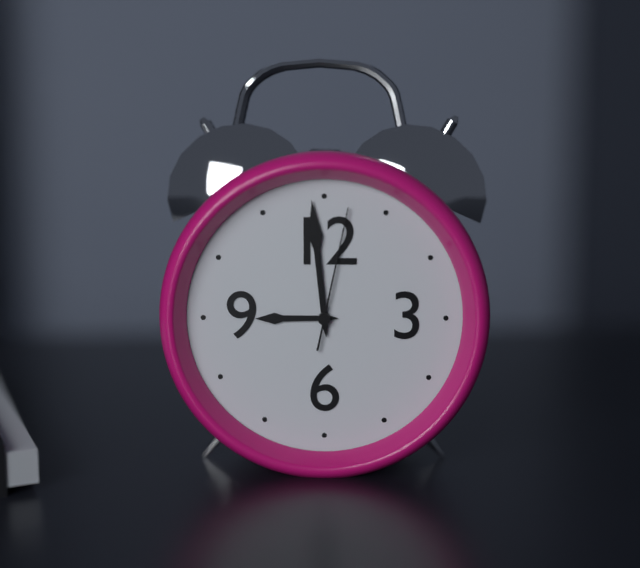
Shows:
{"hour": 8, "minute": 59, "second": 2}
